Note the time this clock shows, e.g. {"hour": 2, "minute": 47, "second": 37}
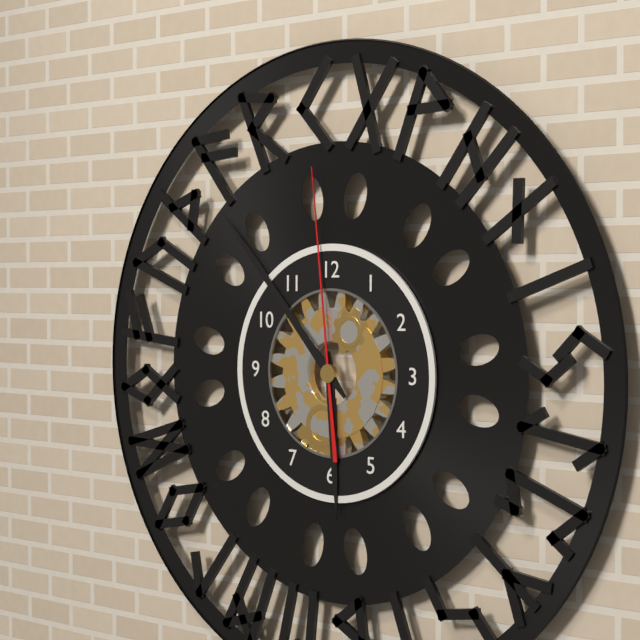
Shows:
{"hour": 5, "minute": 53, "second": 59}
